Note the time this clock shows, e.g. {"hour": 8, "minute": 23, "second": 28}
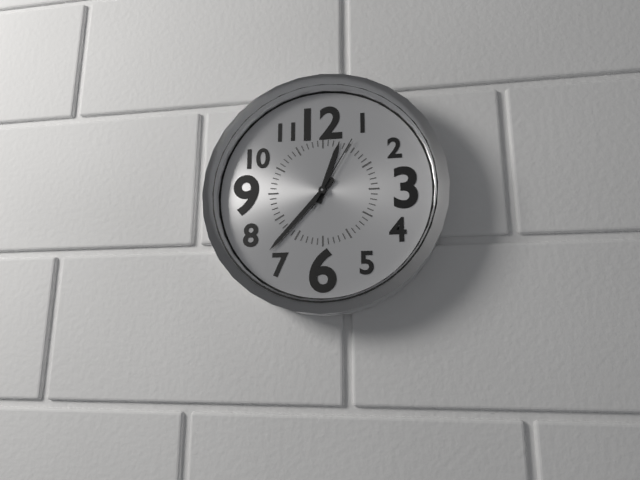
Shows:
{"hour": 12, "minute": 37, "second": 5}
